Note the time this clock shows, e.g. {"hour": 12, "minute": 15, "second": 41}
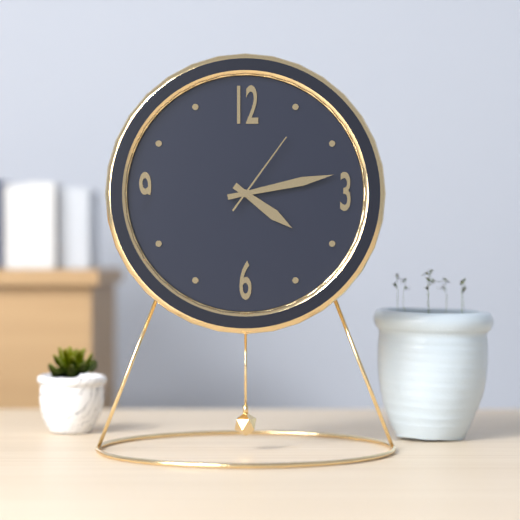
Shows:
{"hour": 4, "minute": 13, "second": 6}
